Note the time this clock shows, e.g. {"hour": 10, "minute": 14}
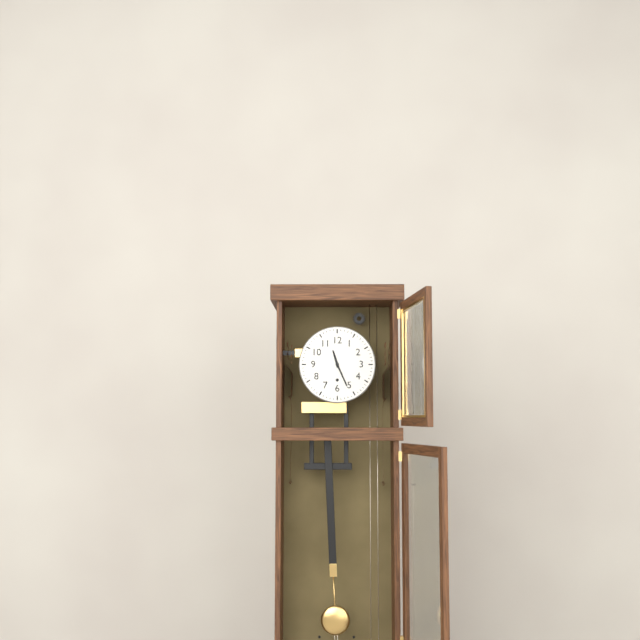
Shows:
{"hour": 11, "minute": 26}
